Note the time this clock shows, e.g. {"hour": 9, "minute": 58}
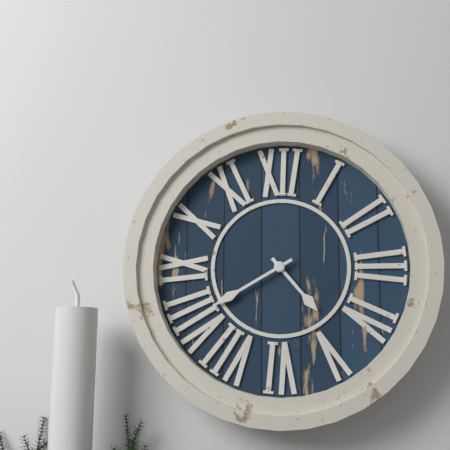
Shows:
{"hour": 4, "minute": 40}
